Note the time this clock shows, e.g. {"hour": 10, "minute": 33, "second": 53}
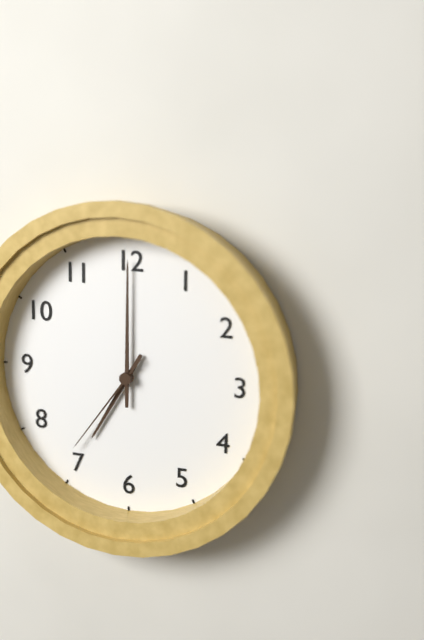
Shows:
{"hour": 7, "minute": 0, "second": 36}
